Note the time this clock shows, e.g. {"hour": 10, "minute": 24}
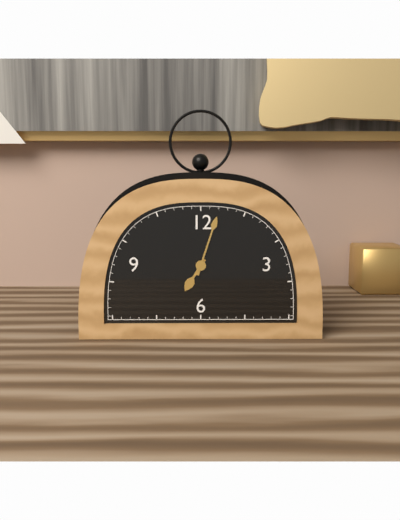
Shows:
{"hour": 7, "minute": 3}
